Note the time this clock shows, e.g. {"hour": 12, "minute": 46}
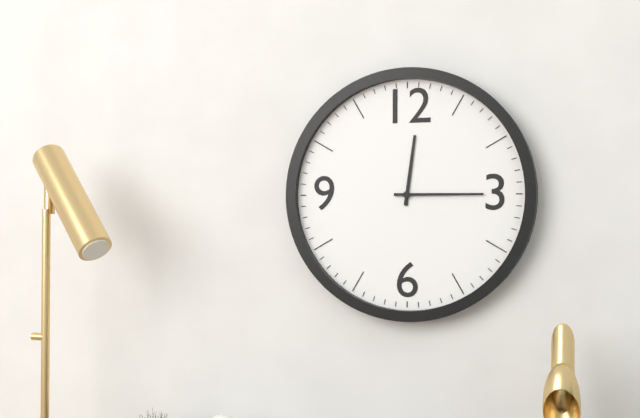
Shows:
{"hour": 12, "minute": 15}
